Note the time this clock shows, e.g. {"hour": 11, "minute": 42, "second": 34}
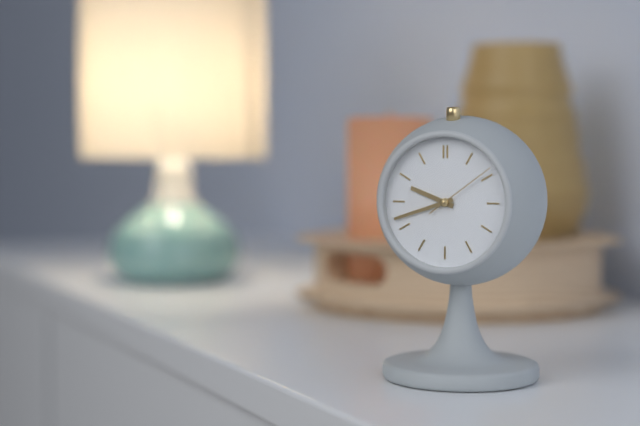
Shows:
{"hour": 9, "minute": 42, "second": 9}
